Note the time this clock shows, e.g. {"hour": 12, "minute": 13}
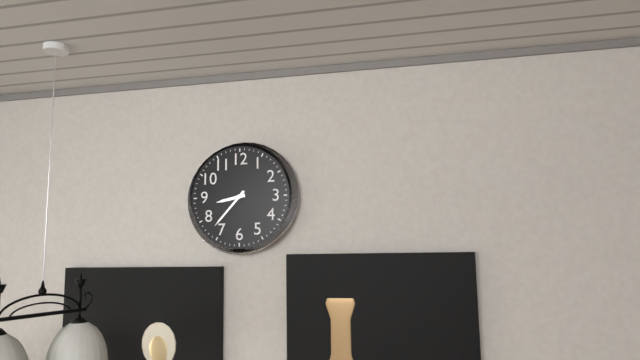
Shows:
{"hour": 8, "minute": 37}
